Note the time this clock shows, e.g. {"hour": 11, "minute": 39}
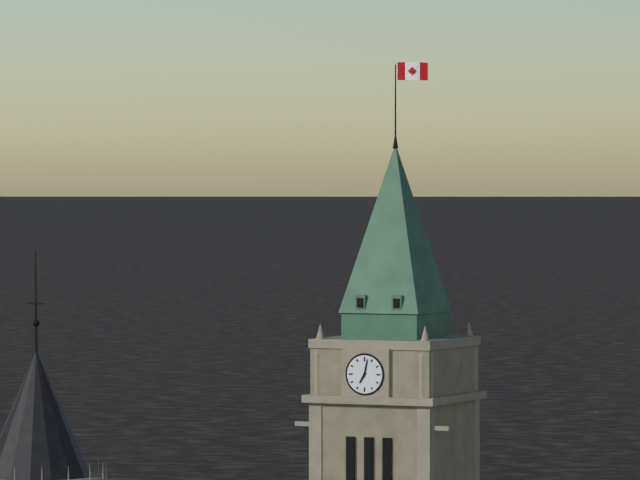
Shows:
{"hour": 7, "minute": 2}
